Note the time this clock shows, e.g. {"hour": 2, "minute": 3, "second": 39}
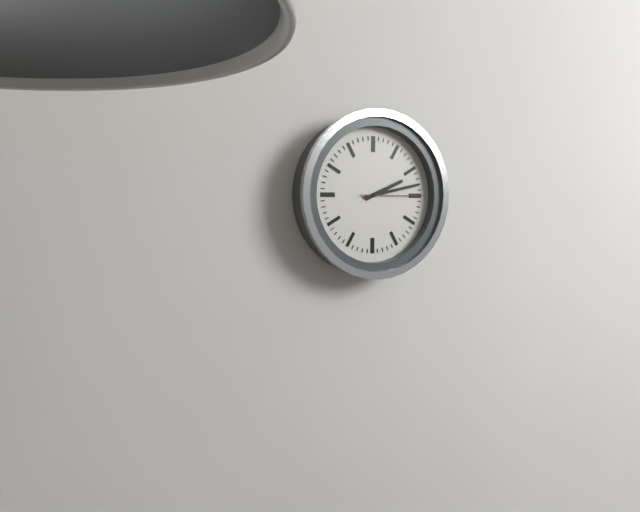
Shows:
{"hour": 2, "minute": 13, "second": 15}
